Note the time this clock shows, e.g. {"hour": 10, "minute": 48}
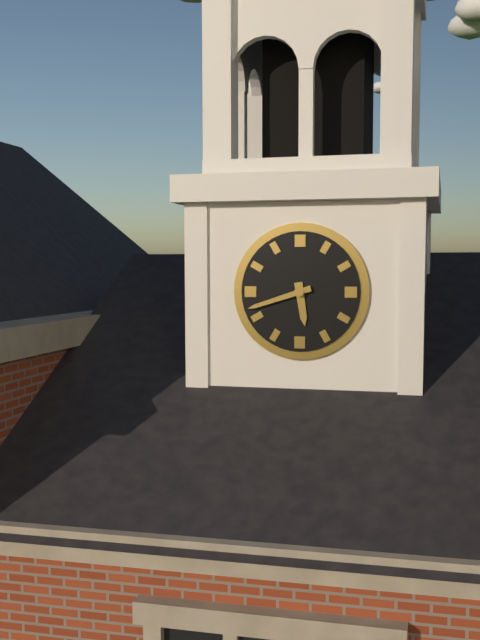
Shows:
{"hour": 5, "minute": 42}
